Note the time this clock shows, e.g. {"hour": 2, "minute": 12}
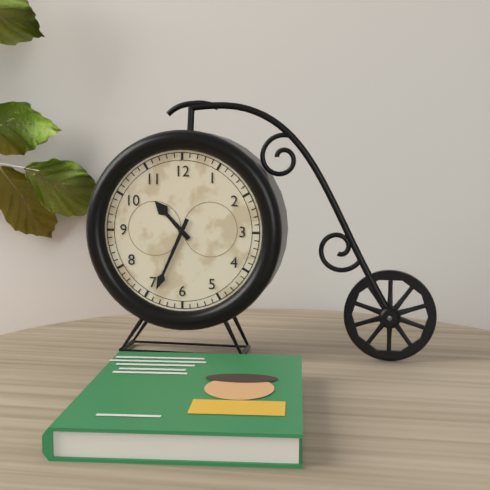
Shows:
{"hour": 10, "minute": 34}
